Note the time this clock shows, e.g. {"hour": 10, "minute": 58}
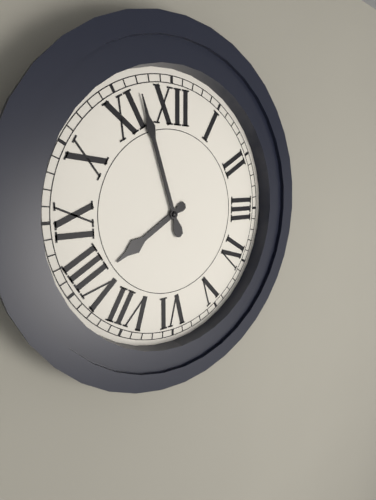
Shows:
{"hour": 7, "minute": 57}
